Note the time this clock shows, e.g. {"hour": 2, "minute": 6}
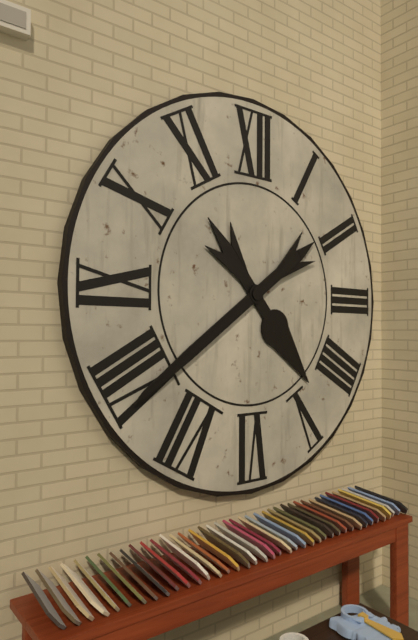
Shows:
{"hour": 4, "minute": 39}
